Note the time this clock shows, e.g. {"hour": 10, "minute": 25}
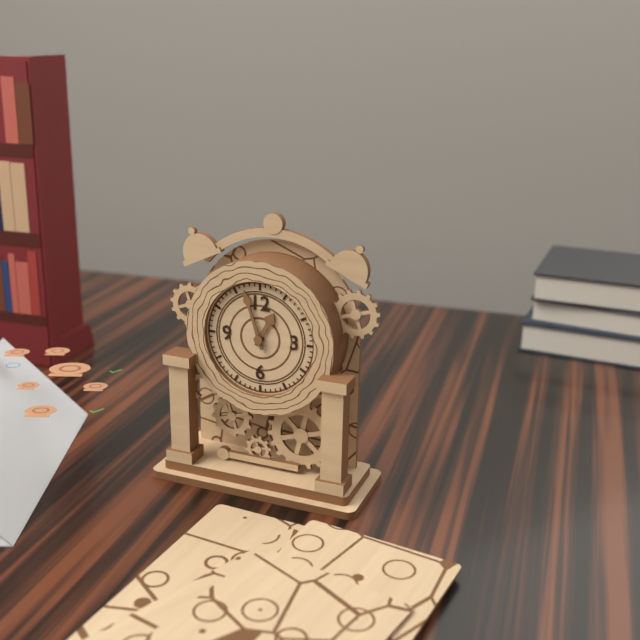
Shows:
{"hour": 12, "minute": 57}
